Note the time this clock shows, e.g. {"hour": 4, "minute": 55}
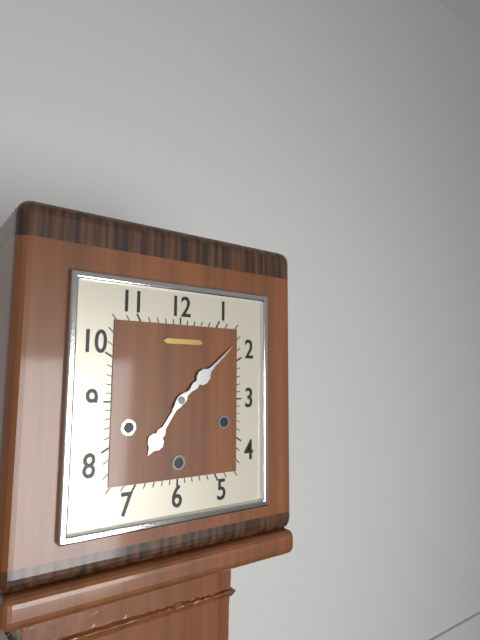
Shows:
{"hour": 7, "minute": 8}
